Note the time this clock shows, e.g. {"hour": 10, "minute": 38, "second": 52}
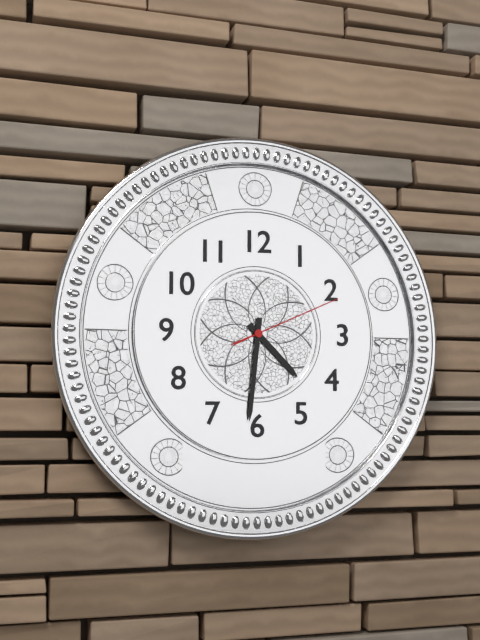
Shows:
{"hour": 4, "minute": 31, "second": 11}
